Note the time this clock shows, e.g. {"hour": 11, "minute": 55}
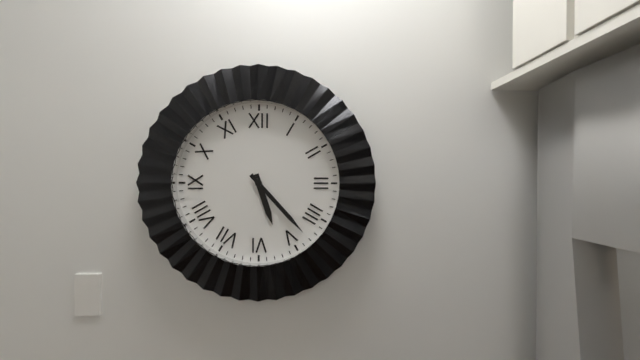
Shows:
{"hour": 5, "minute": 23}
